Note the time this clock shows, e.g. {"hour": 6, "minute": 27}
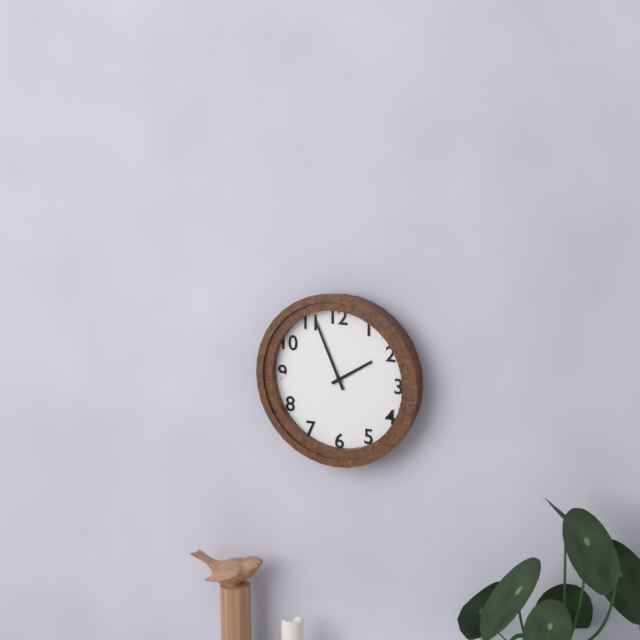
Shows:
{"hour": 1, "minute": 56}
